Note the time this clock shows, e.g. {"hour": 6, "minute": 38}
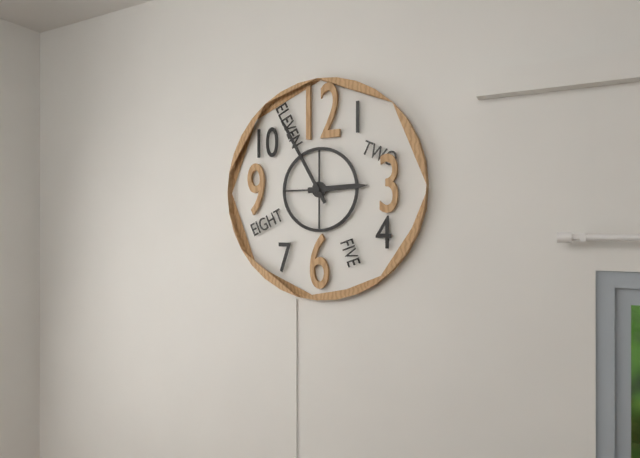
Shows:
{"hour": 2, "minute": 55}
